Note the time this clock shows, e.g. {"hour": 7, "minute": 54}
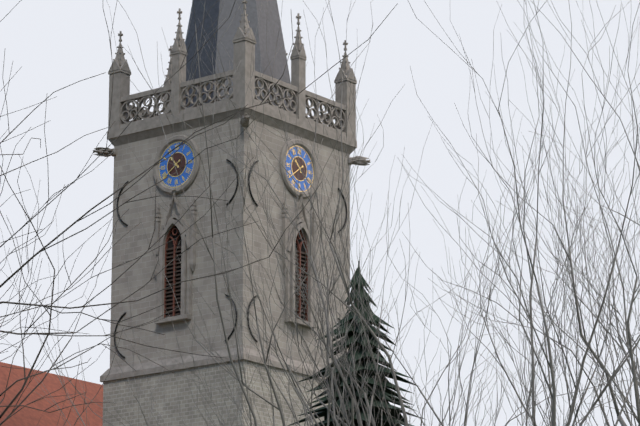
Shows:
{"hour": 10, "minute": 39}
